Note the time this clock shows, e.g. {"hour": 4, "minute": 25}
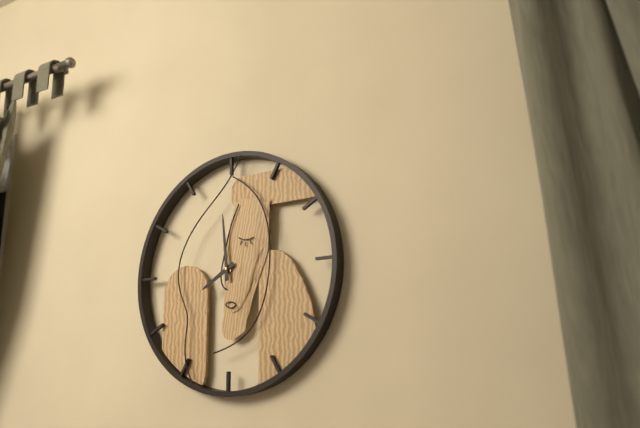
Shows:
{"hour": 7, "minute": 59}
